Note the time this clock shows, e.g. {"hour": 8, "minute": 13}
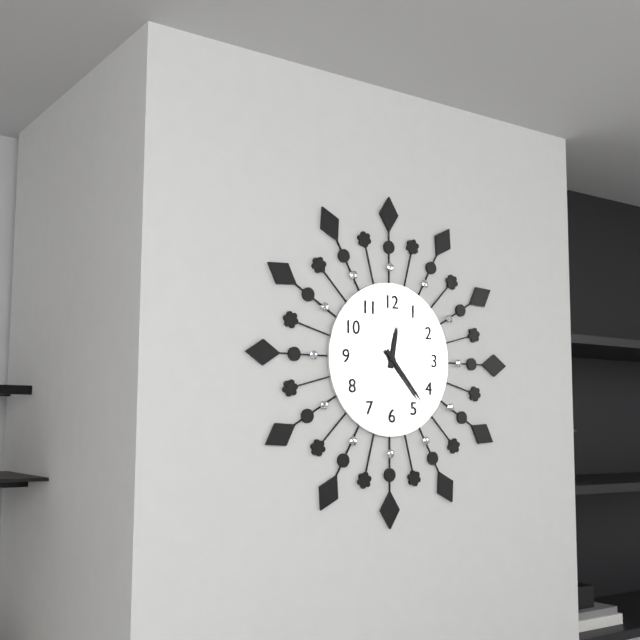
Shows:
{"hour": 12, "minute": 23}
